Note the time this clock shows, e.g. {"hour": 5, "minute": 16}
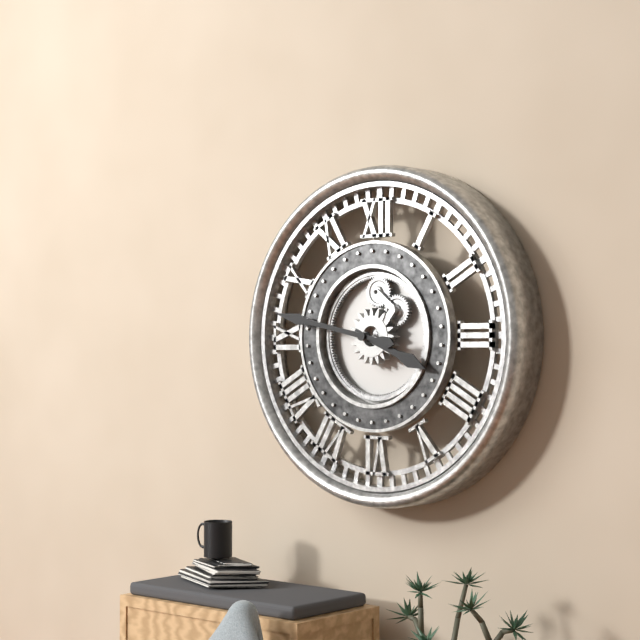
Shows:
{"hour": 3, "minute": 47}
